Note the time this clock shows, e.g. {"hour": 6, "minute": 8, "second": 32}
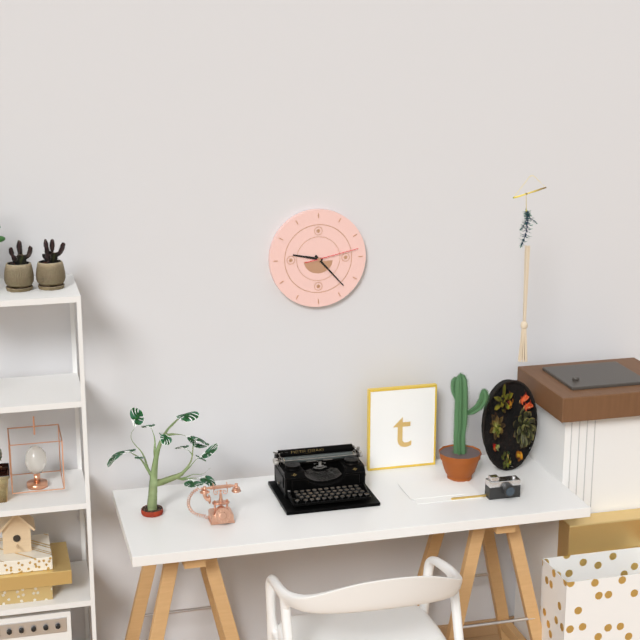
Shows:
{"hour": 9, "minute": 23, "second": 13}
